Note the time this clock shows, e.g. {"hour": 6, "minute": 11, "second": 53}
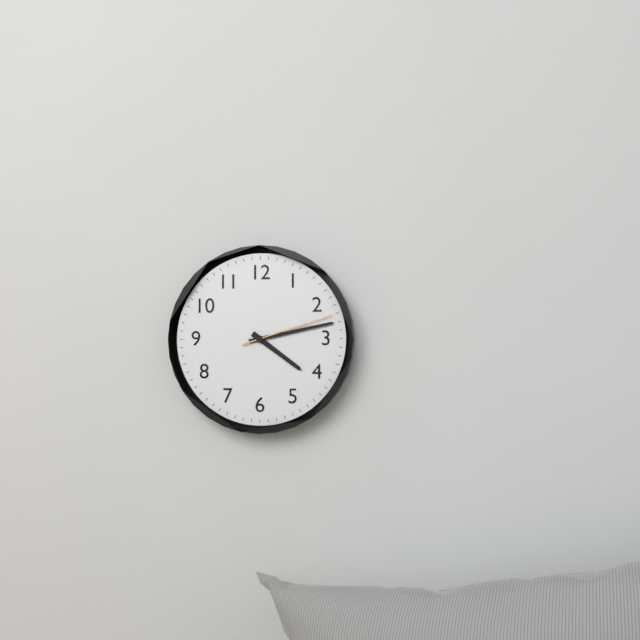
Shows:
{"hour": 4, "minute": 13, "second": 12}
